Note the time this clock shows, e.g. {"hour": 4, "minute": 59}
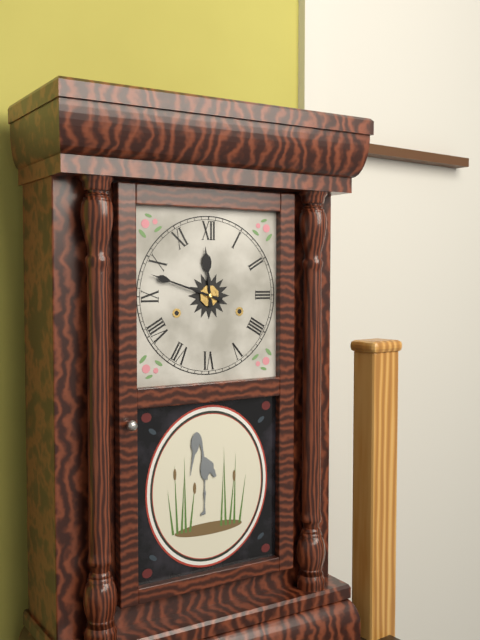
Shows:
{"hour": 11, "minute": 48}
